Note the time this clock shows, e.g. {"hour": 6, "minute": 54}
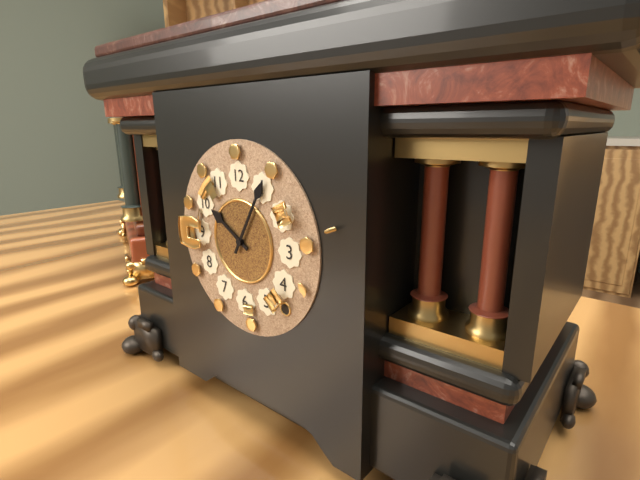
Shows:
{"hour": 10, "minute": 5}
